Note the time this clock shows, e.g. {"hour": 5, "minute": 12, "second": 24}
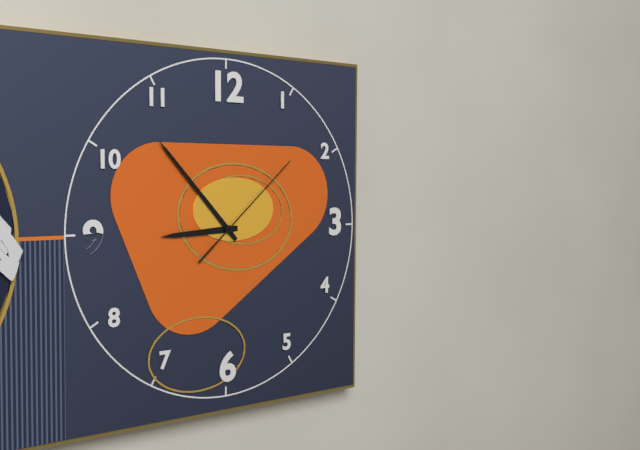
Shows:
{"hour": 8, "minute": 53, "second": 8}
